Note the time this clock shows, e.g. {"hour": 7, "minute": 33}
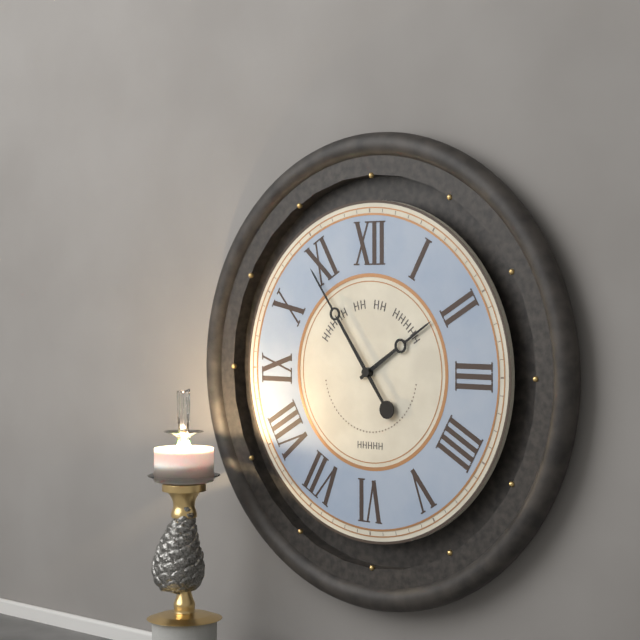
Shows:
{"hour": 1, "minute": 54}
